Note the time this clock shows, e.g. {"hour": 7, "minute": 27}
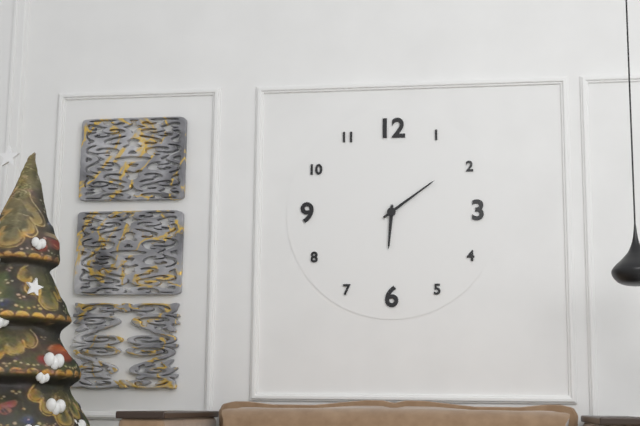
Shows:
{"hour": 6, "minute": 9}
